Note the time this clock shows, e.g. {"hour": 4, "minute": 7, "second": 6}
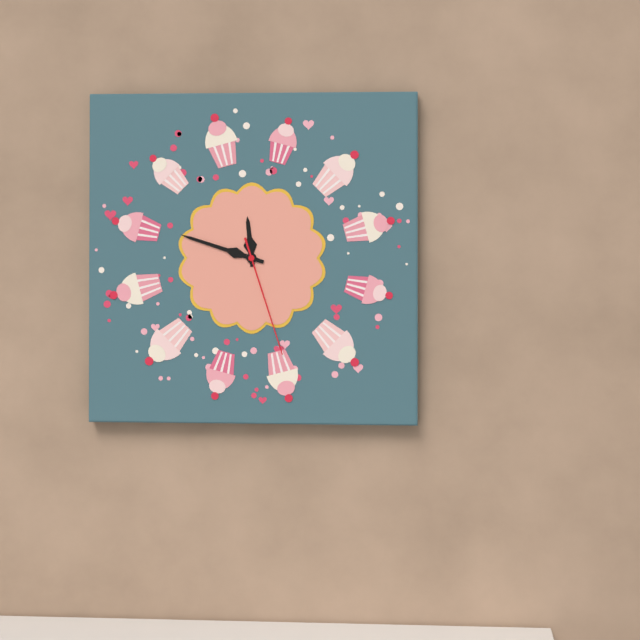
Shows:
{"hour": 11, "minute": 48, "second": 27}
